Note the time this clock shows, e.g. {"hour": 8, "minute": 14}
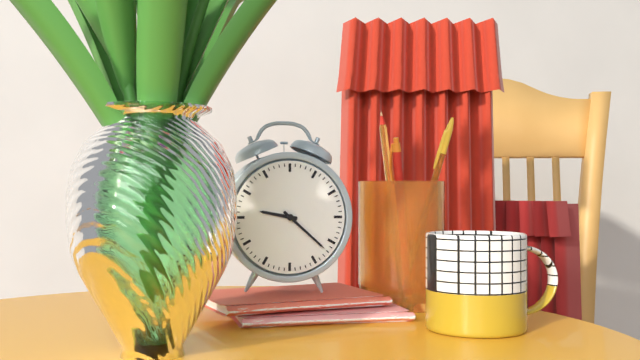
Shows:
{"hour": 9, "minute": 22}
